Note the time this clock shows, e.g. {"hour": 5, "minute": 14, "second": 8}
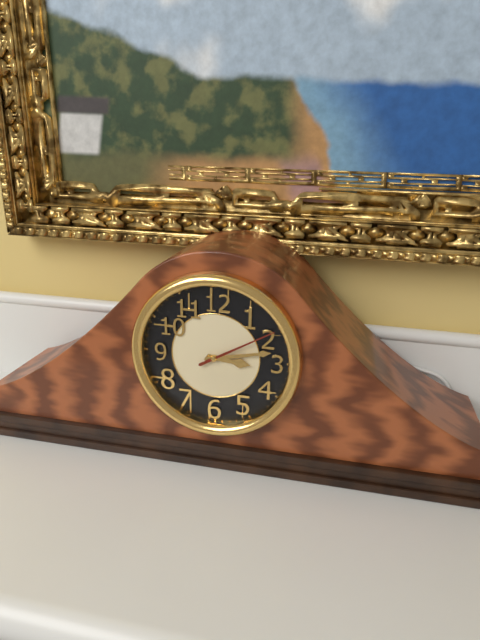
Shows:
{"hour": 3, "minute": 13, "second": 10}
